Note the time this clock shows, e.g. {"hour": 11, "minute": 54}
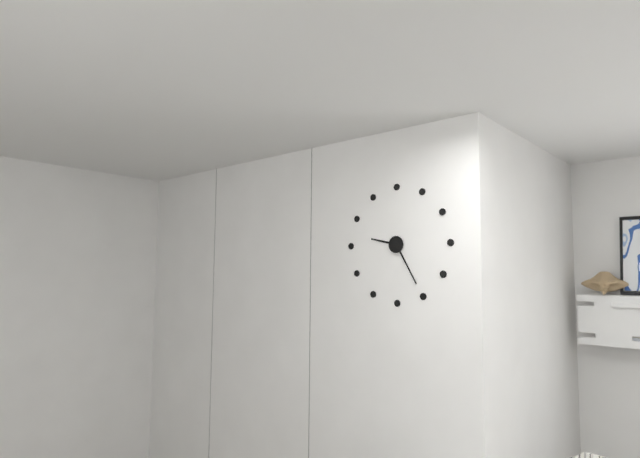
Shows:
{"hour": 9, "minute": 25}
